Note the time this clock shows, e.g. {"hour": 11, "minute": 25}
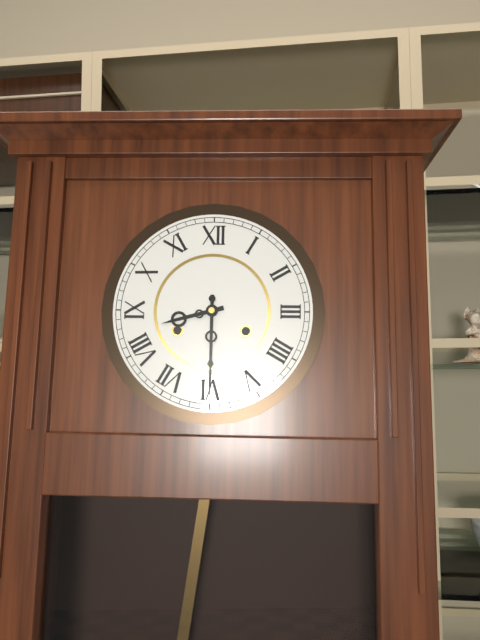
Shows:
{"hour": 8, "minute": 30}
